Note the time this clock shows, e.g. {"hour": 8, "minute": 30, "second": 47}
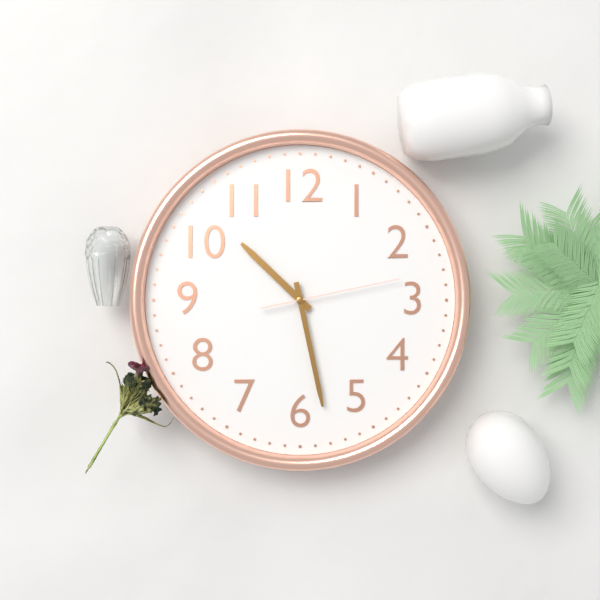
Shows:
{"hour": 10, "minute": 28, "second": 13}
